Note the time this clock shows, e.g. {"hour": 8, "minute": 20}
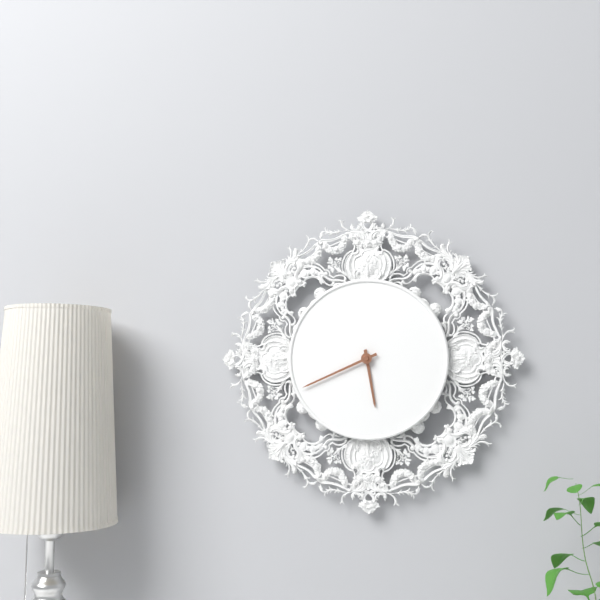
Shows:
{"hour": 5, "minute": 41}
